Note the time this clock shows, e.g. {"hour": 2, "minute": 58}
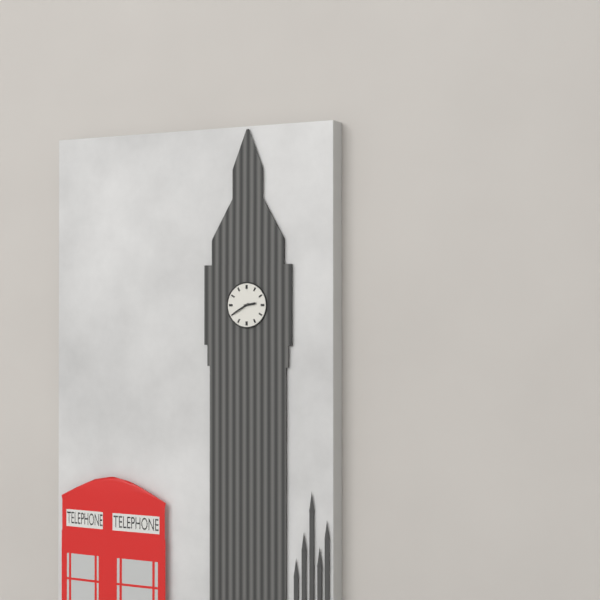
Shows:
{"hour": 2, "minute": 40}
